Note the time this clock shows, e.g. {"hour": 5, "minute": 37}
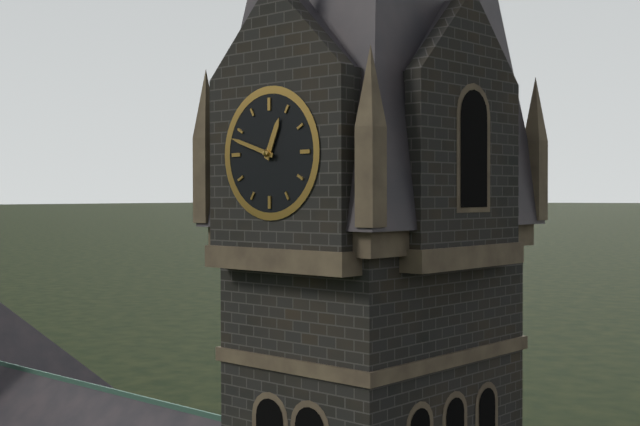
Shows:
{"hour": 12, "minute": 48}
